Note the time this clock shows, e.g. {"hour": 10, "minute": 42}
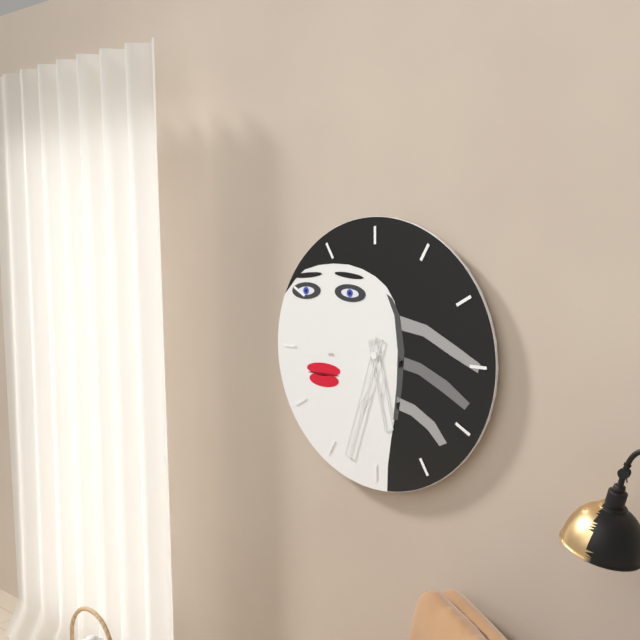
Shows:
{"hour": 5, "minute": 33}
